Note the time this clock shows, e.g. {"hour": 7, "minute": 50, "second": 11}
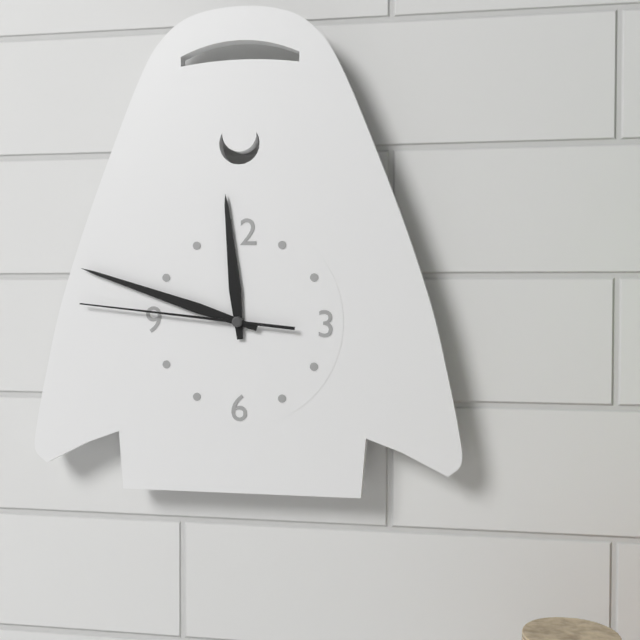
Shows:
{"hour": 11, "minute": 48, "second": 46}
